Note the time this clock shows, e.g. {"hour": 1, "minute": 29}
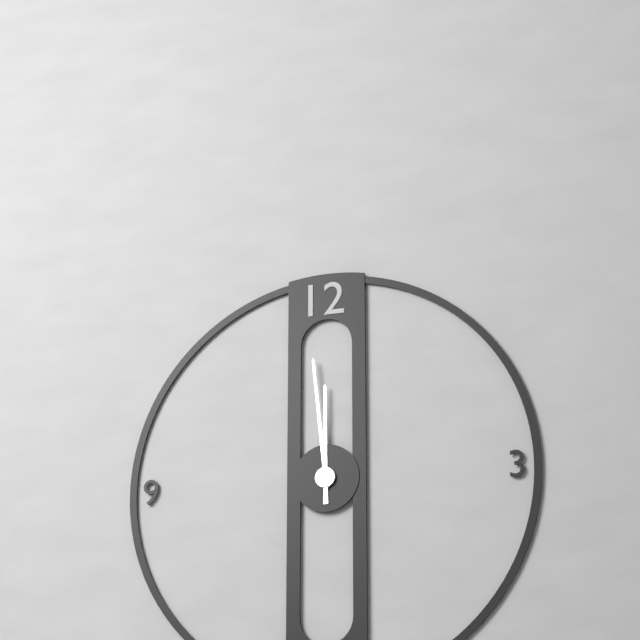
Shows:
{"hour": 11, "minute": 59}
